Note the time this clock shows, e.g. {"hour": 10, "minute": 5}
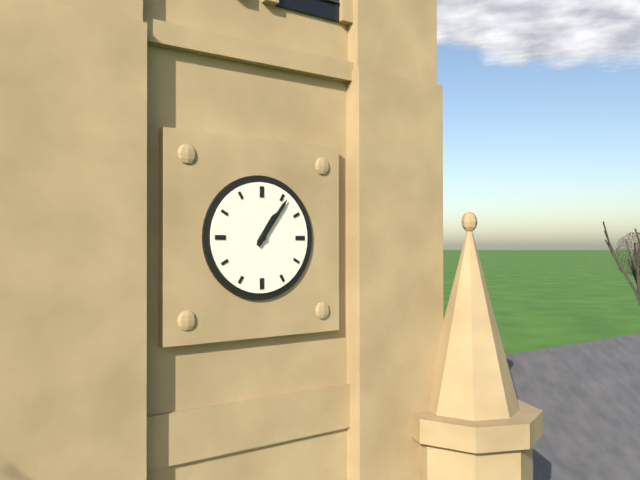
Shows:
{"hour": 1, "minute": 6}
